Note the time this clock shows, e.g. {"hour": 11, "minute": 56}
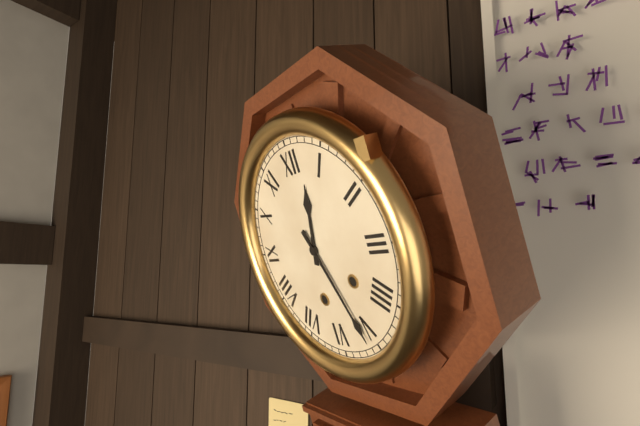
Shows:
{"hour": 12, "minute": 26}
